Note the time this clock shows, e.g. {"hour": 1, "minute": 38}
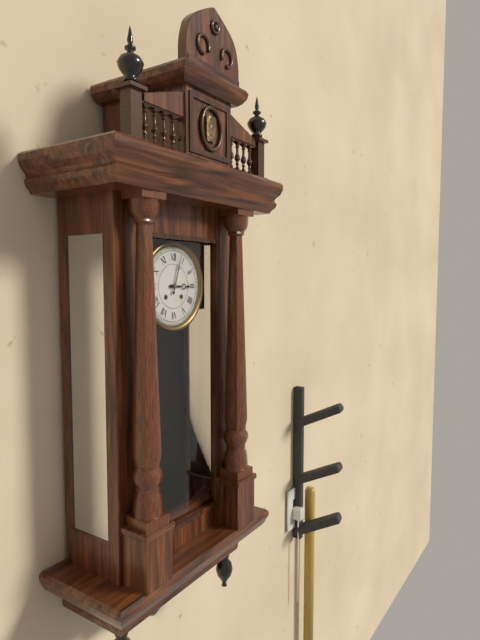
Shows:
{"hour": 3, "minute": 3}
